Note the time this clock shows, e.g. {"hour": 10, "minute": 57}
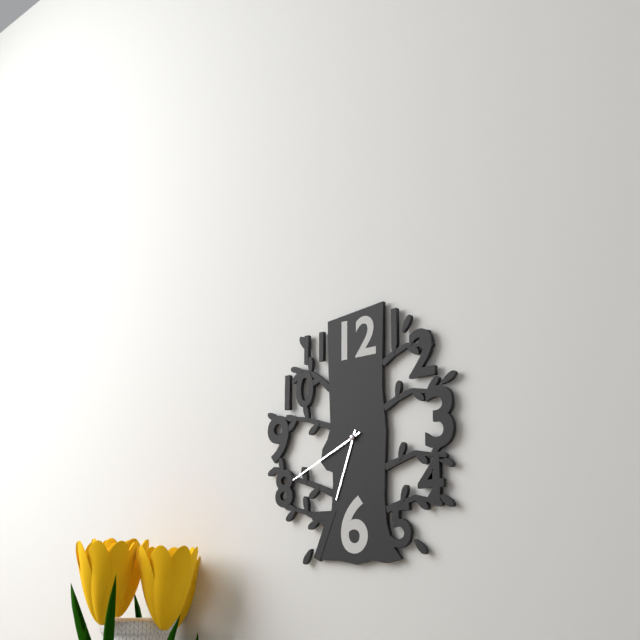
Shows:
{"hour": 6, "minute": 41}
